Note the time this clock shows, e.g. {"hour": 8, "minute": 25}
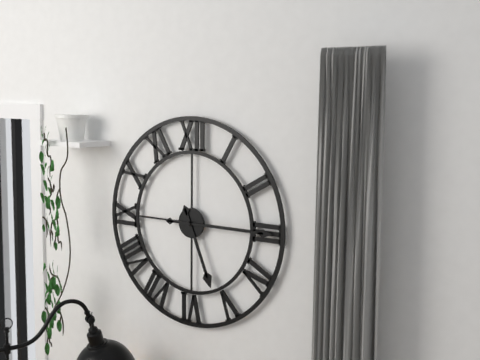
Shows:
{"hour": 5, "minute": 15}
